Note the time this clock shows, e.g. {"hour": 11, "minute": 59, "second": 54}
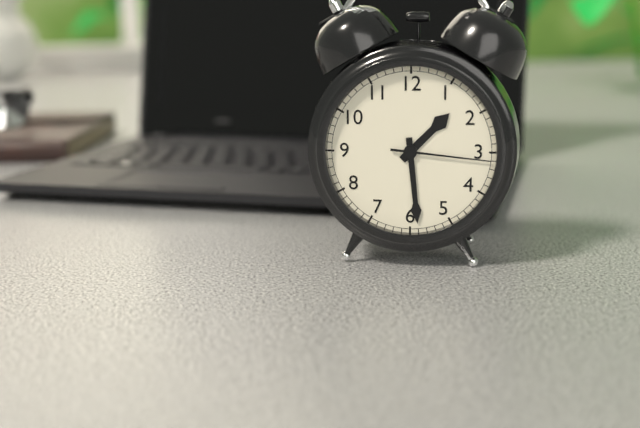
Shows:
{"hour": 1, "minute": 29, "second": 16}
